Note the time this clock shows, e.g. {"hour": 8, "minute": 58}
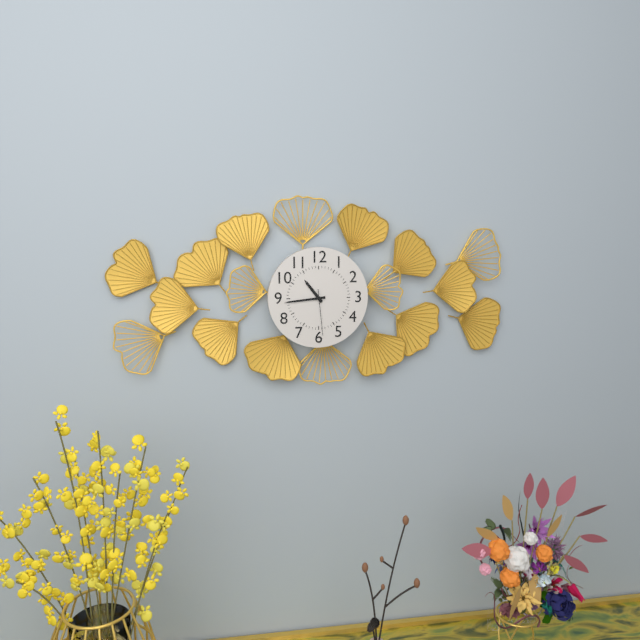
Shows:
{"hour": 10, "minute": 44}
